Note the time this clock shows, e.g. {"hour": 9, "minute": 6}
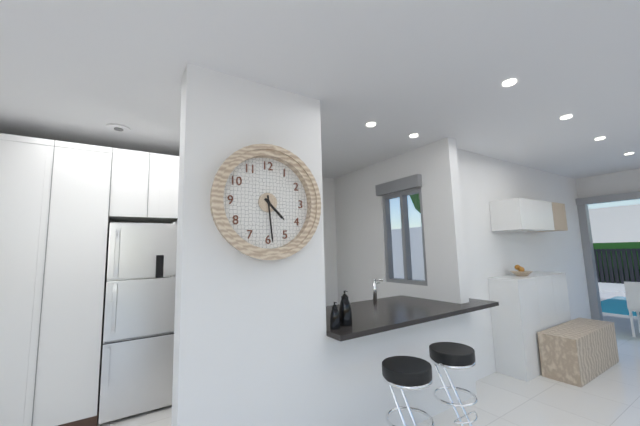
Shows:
{"hour": 4, "minute": 29}
